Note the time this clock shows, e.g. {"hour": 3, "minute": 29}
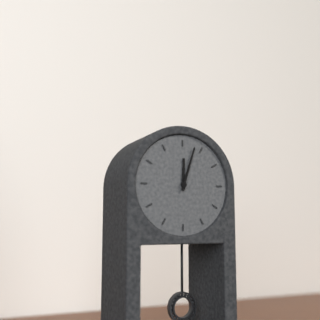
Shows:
{"hour": 12, "minute": 3}
